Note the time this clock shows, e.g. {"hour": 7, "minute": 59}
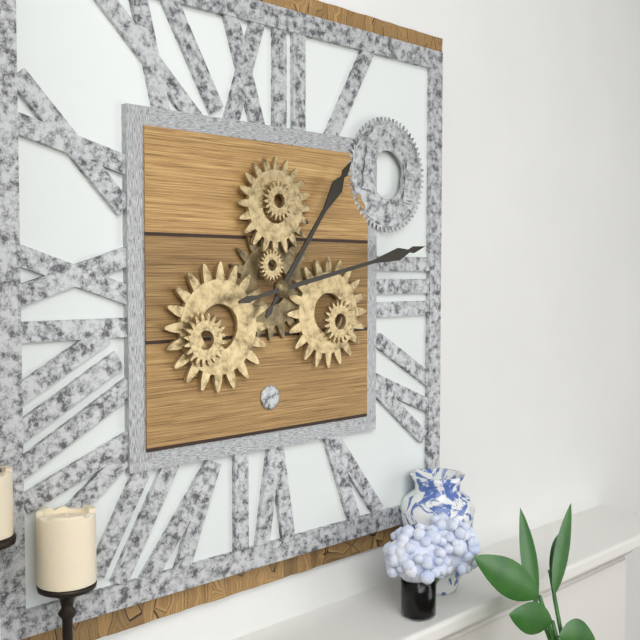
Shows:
{"hour": 1, "minute": 13}
